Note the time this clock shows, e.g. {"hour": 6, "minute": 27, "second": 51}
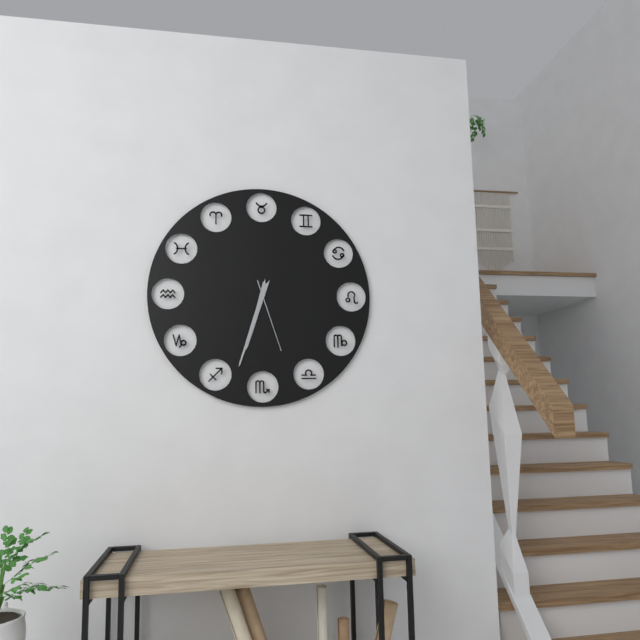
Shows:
{"hour": 6, "minute": 33, "second": 27}
